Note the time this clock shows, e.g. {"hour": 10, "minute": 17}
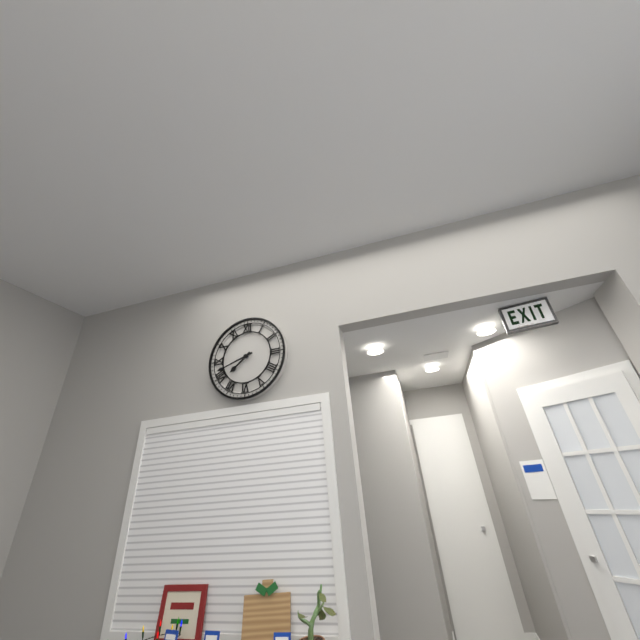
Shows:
{"hour": 7, "minute": 42}
